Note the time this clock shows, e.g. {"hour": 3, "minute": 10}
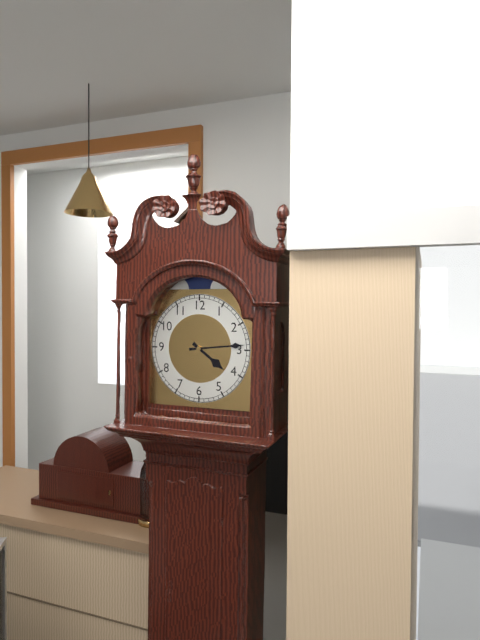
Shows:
{"hour": 4, "minute": 14}
